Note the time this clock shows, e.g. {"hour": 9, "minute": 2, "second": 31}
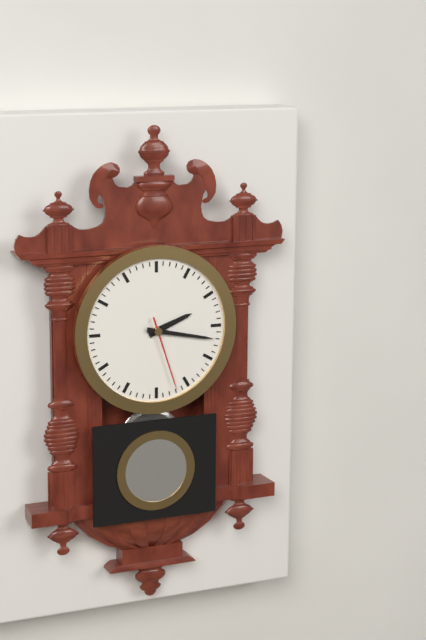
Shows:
{"hour": 2, "minute": 17, "second": 27}
